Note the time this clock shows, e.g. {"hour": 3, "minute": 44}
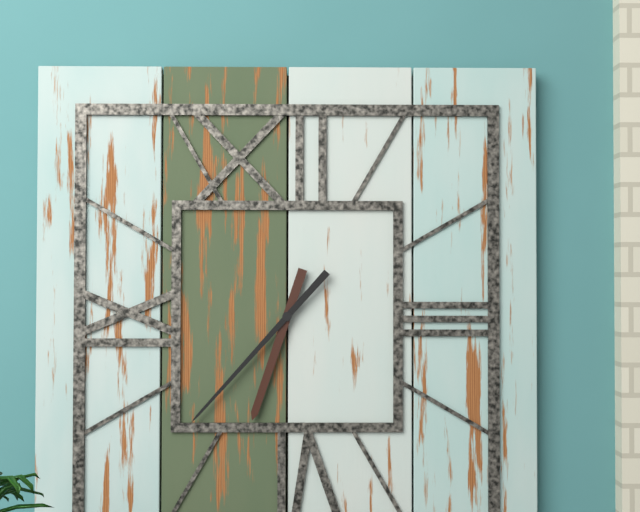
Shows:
{"hour": 6, "minute": 37}
